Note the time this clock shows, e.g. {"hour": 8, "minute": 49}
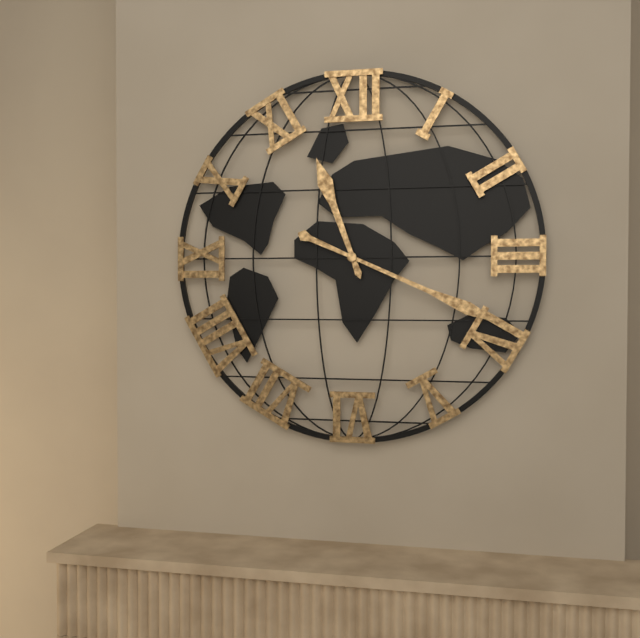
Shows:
{"hour": 11, "minute": 19}
